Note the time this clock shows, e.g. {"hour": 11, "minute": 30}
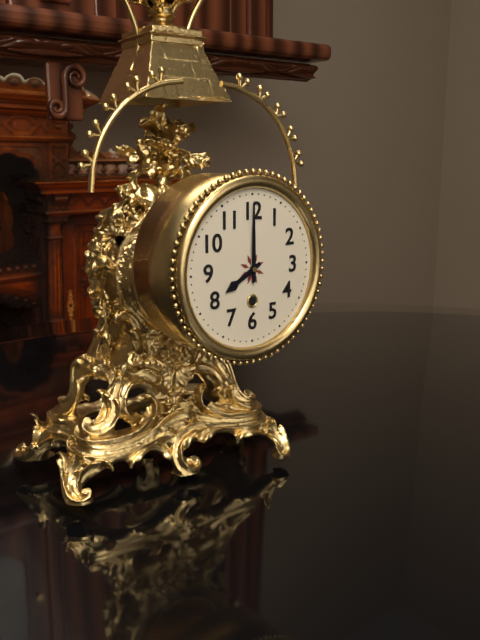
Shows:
{"hour": 8, "minute": 0}
